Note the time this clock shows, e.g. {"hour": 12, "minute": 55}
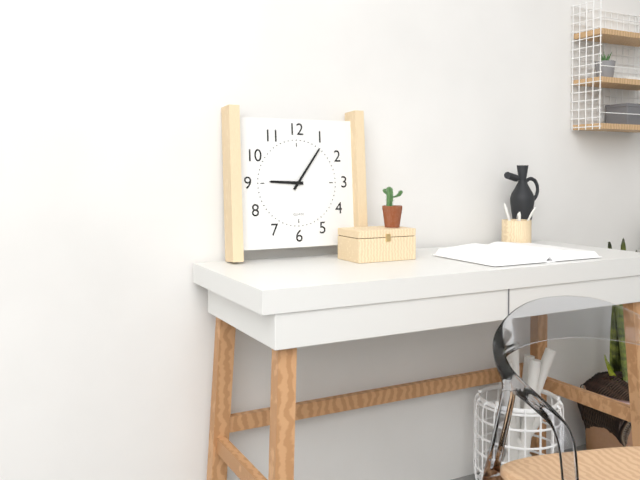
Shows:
{"hour": 9, "minute": 6}
